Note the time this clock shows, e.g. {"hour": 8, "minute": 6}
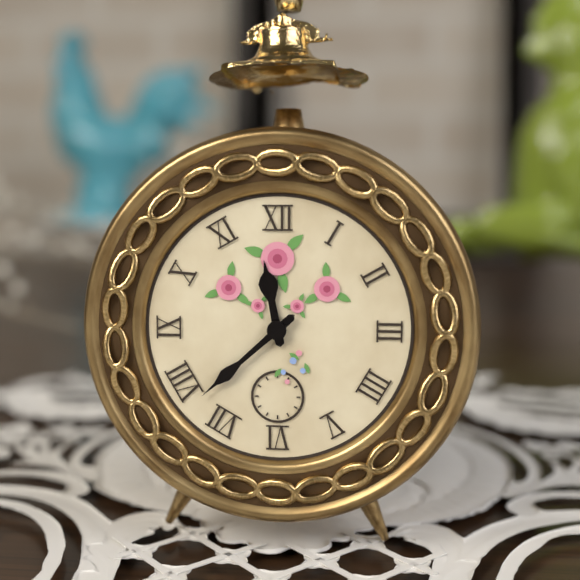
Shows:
{"hour": 11, "minute": 38}
